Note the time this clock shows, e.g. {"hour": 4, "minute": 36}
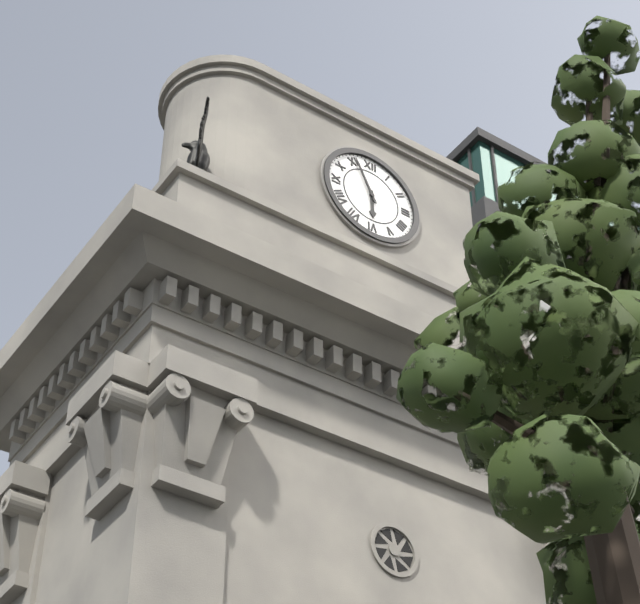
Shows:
{"hour": 5, "minute": 56}
